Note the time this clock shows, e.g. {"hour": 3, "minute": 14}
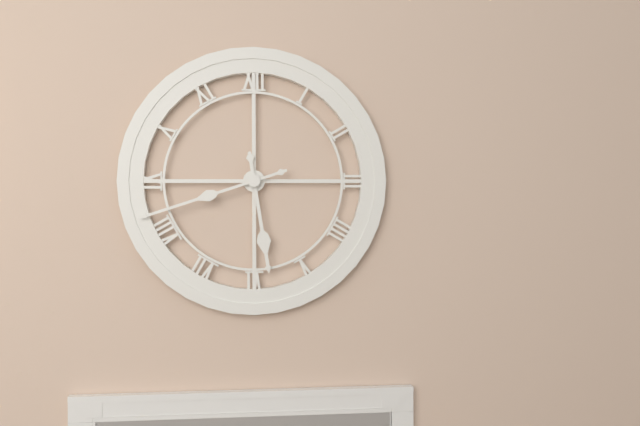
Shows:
{"hour": 5, "minute": 42}
